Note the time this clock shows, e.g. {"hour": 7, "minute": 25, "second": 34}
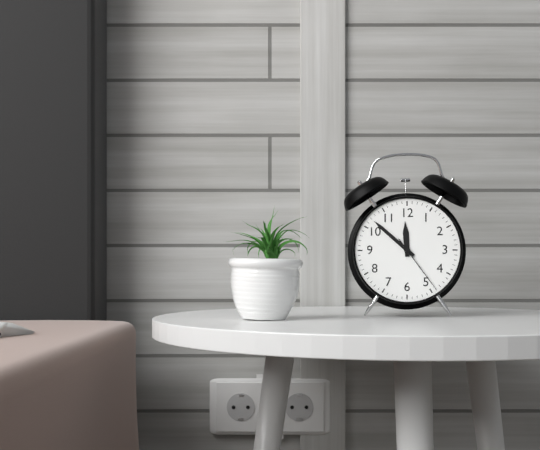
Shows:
{"hour": 11, "minute": 52, "second": 24}
